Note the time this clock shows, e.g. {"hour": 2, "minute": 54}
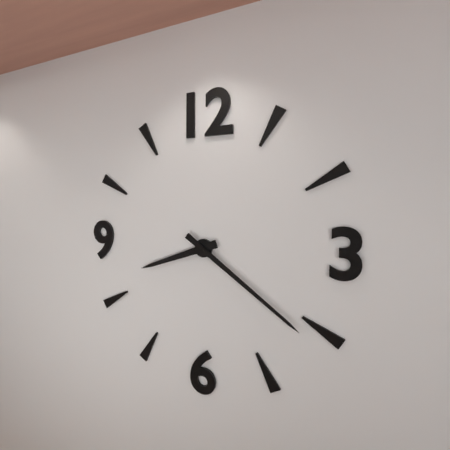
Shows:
{"hour": 8, "minute": 21}
